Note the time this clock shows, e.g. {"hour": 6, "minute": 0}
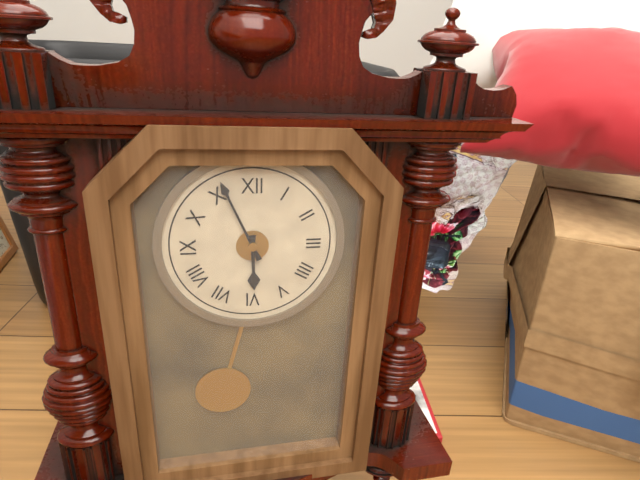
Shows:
{"hour": 5, "minute": 56}
